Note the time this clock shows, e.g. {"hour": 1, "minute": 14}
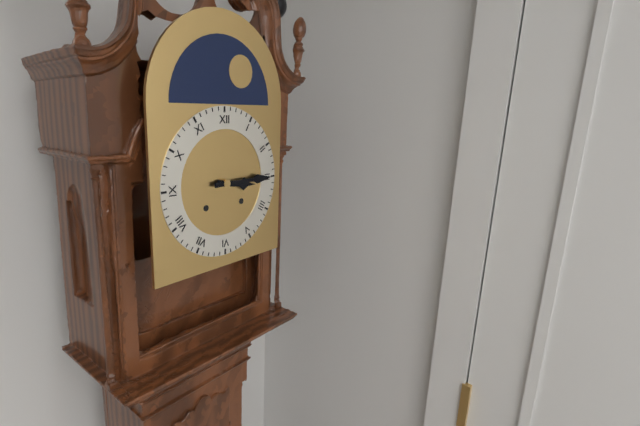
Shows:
{"hour": 3, "minute": 15}
